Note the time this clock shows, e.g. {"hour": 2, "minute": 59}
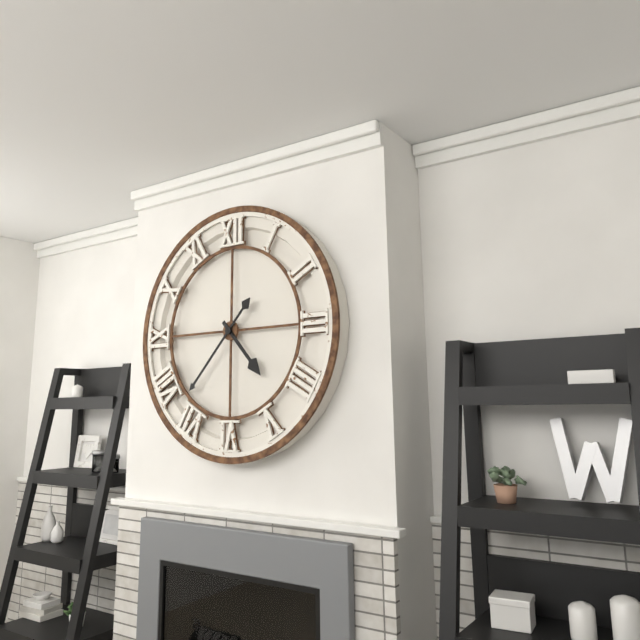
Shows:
{"hour": 4, "minute": 37}
